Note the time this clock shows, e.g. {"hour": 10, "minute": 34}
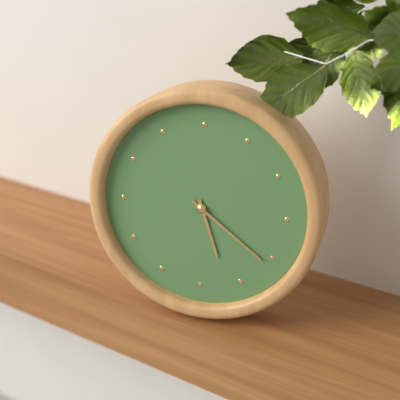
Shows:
{"hour": 5, "minute": 21}
